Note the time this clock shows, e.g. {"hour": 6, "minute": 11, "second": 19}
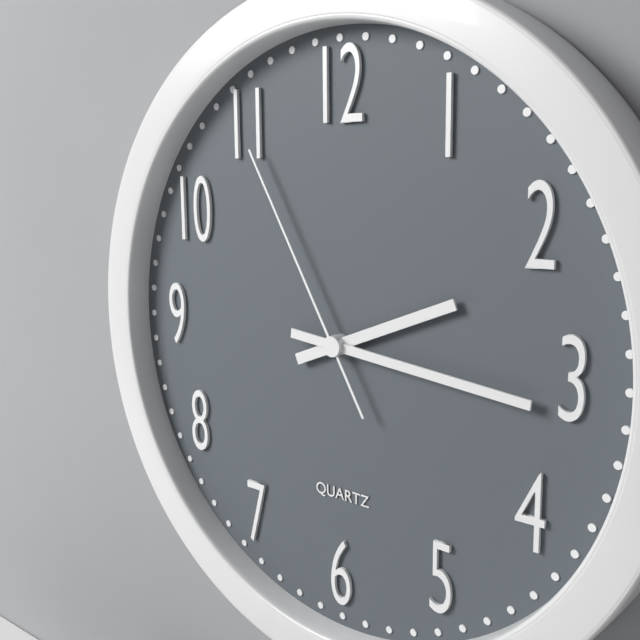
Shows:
{"hour": 2, "minute": 16, "second": 55}
